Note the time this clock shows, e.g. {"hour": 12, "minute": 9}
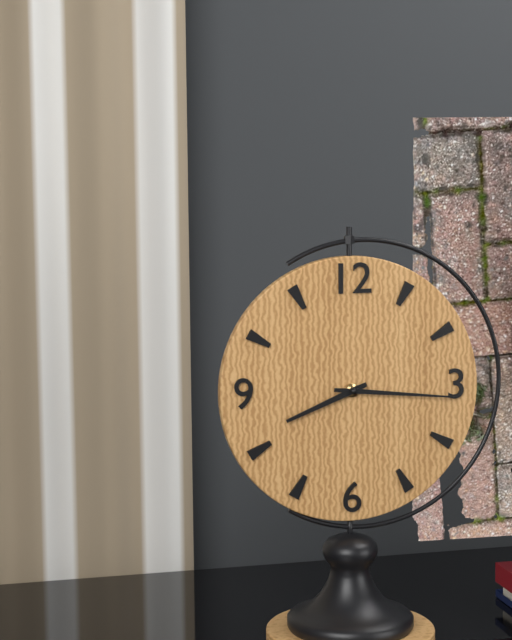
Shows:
{"hour": 8, "minute": 16}
